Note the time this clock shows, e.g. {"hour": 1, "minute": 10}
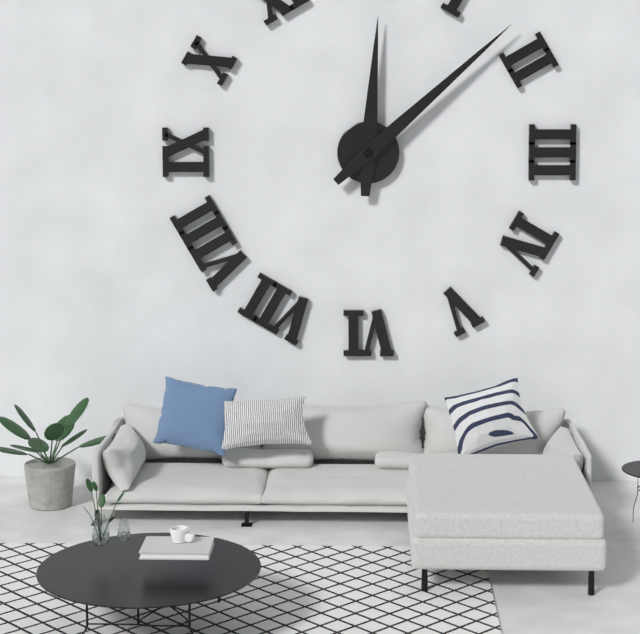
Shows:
{"hour": 12, "minute": 8}
